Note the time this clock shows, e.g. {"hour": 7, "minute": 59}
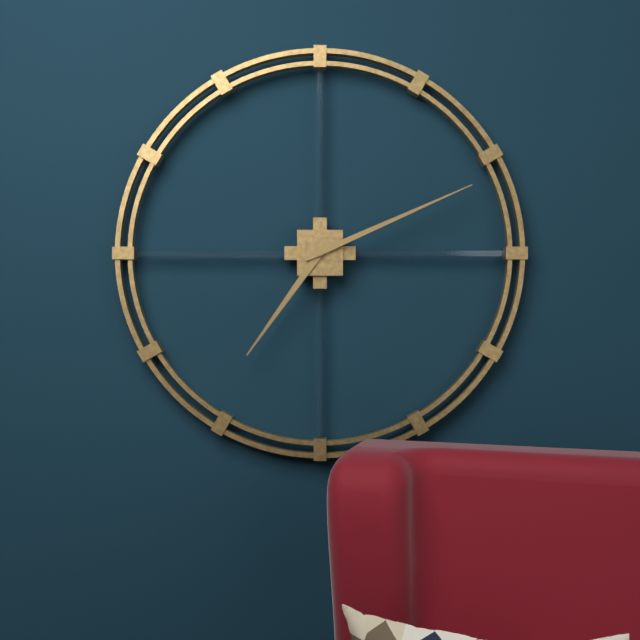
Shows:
{"hour": 7, "minute": 11}
